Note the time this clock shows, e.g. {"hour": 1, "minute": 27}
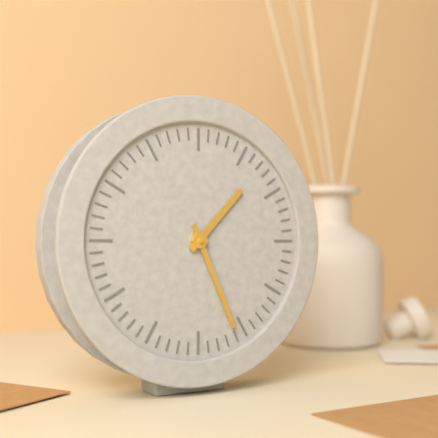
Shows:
{"hour": 1, "minute": 26}
